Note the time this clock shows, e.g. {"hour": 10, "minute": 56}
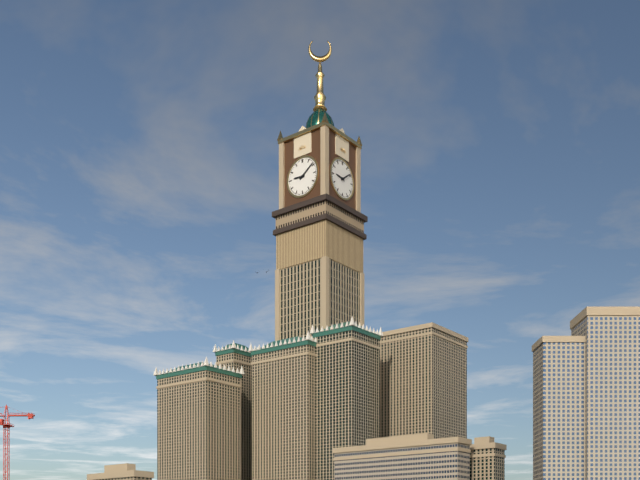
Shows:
{"hour": 9, "minute": 9}
